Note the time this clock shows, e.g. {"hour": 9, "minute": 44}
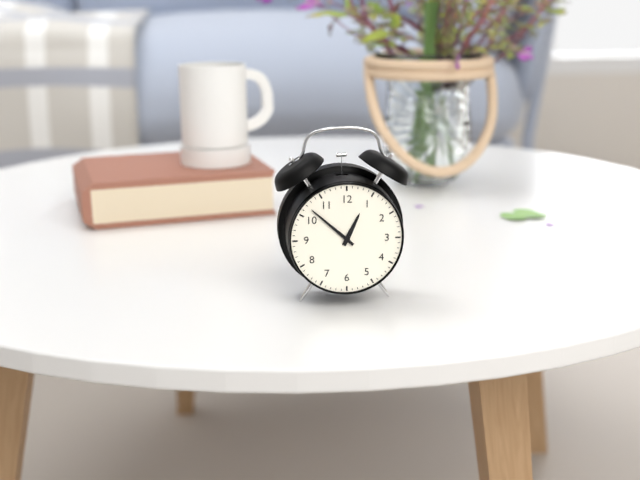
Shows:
{"hour": 12, "minute": 52}
